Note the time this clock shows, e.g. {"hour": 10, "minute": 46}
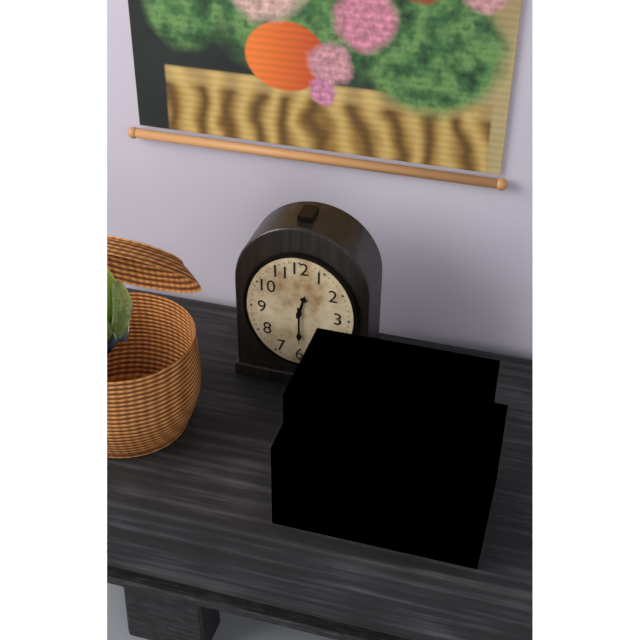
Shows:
{"hour": 12, "minute": 30}
